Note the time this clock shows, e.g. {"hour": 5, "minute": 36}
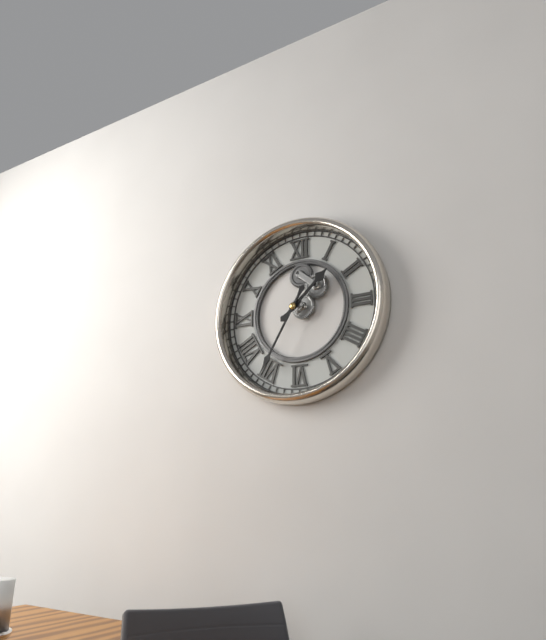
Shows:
{"hour": 1, "minute": 35}
